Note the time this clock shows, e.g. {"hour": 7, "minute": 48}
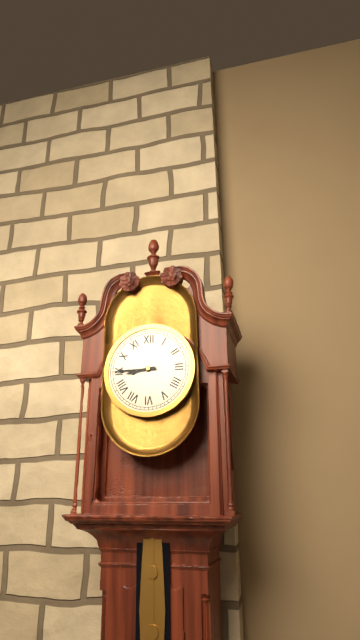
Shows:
{"hour": 8, "minute": 45}
